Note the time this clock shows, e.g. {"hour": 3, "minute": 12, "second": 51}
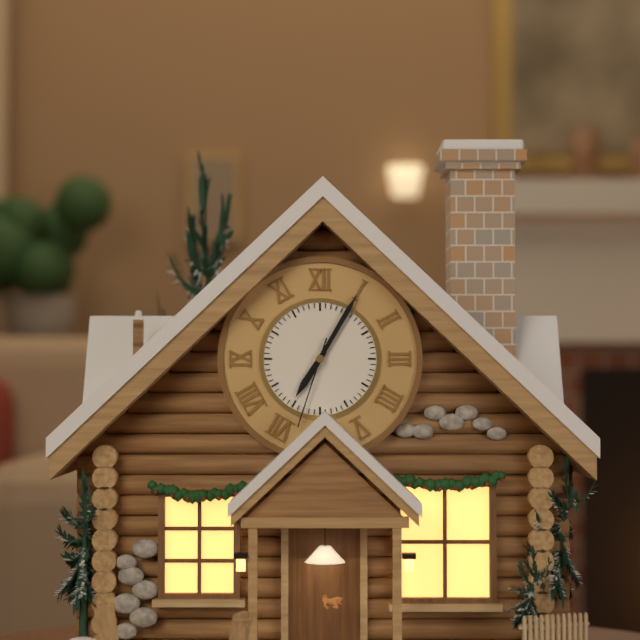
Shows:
{"hour": 7, "minute": 5, "second": 33}
